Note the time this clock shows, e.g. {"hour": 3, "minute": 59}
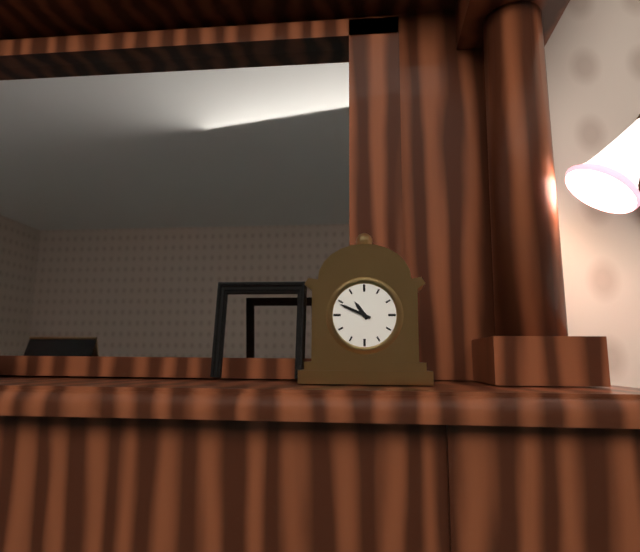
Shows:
{"hour": 10, "minute": 49}
